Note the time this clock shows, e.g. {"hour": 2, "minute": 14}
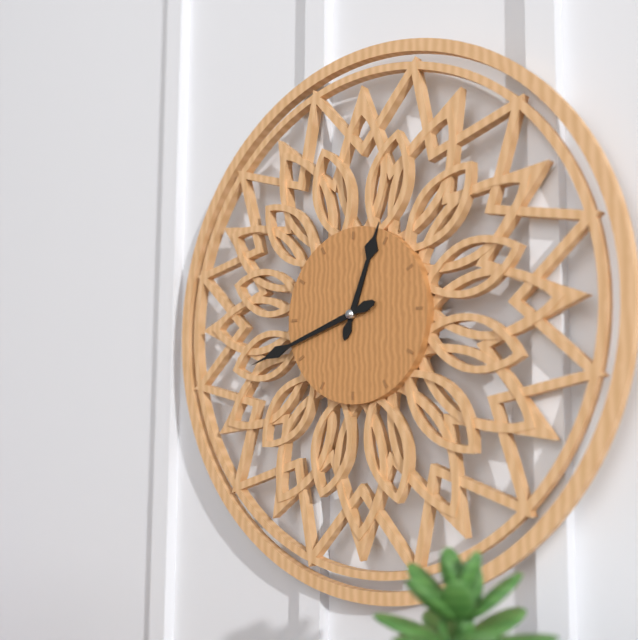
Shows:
{"hour": 12, "minute": 42}
